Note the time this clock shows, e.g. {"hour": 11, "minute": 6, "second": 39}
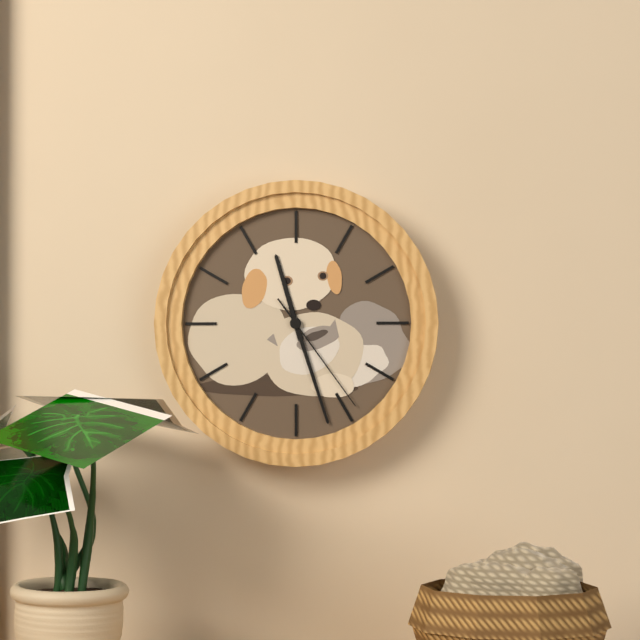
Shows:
{"hour": 11, "minute": 27, "second": 24}
